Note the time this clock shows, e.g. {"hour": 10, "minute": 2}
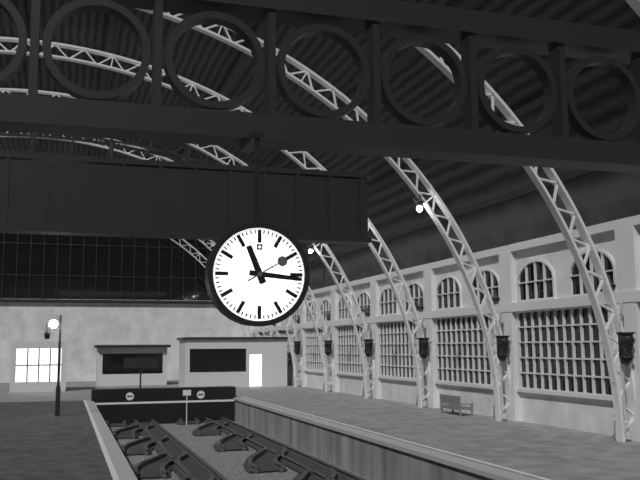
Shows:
{"hour": 11, "minute": 16}
